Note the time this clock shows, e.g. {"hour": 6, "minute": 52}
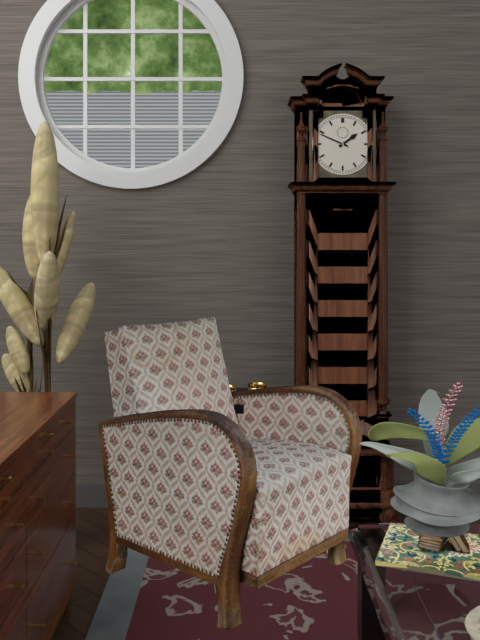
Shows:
{"hour": 1, "minute": 49}
